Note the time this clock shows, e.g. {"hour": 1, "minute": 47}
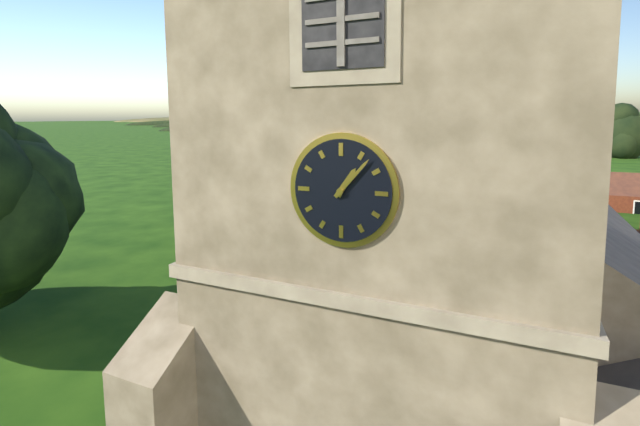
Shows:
{"hour": 1, "minute": 7}
